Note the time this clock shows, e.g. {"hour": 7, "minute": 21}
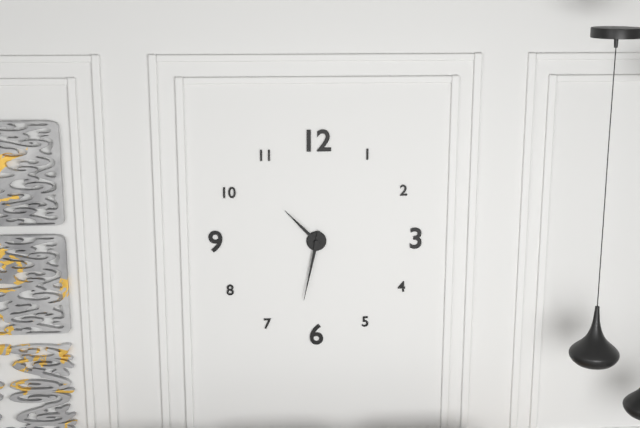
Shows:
{"hour": 10, "minute": 32}
